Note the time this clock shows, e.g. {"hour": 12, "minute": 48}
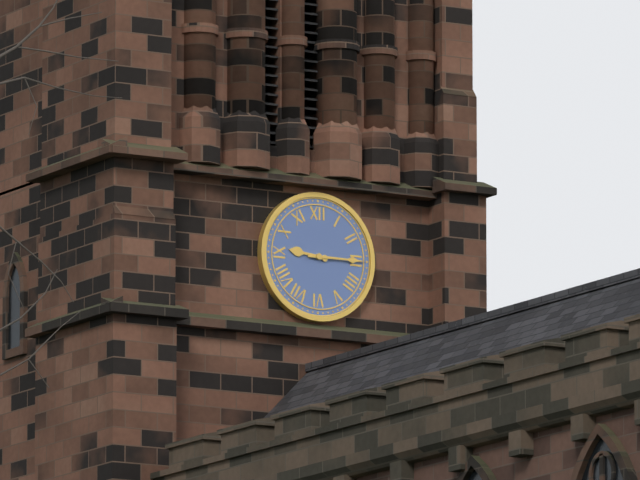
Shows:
{"hour": 9, "minute": 15}
